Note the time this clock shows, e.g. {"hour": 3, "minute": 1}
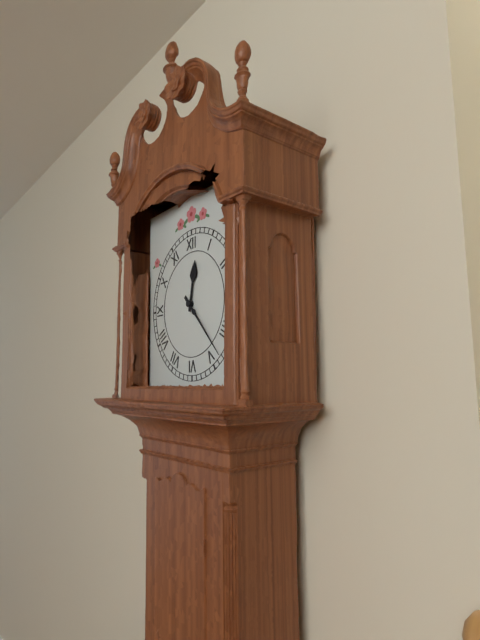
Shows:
{"hour": 12, "minute": 23}
